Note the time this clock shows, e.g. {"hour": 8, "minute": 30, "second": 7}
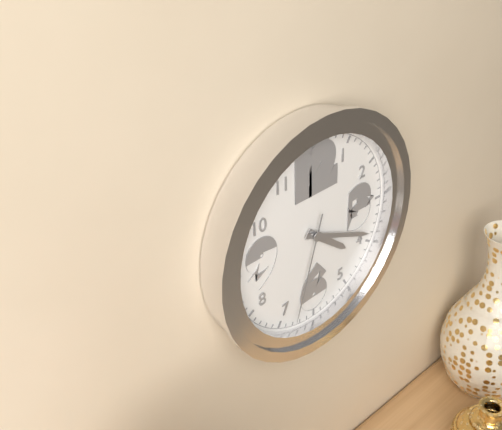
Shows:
{"hour": 4, "minute": 19, "second": 33}
